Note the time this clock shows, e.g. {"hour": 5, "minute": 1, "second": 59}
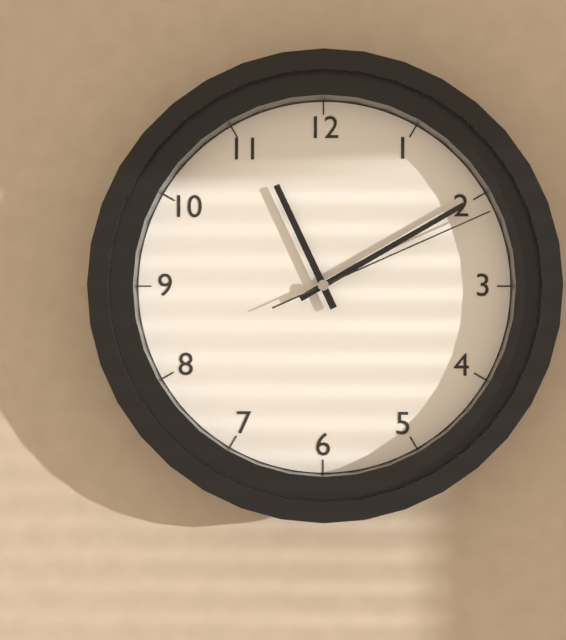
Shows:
{"hour": 11, "minute": 10, "second": 11}
